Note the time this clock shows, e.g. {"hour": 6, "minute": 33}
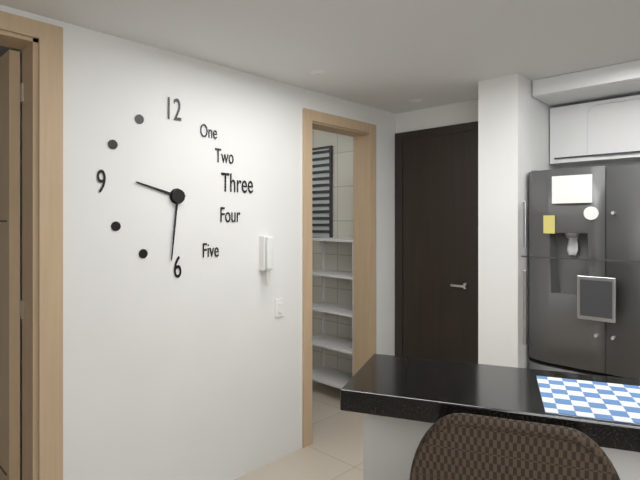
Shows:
{"hour": 9, "minute": 31}
